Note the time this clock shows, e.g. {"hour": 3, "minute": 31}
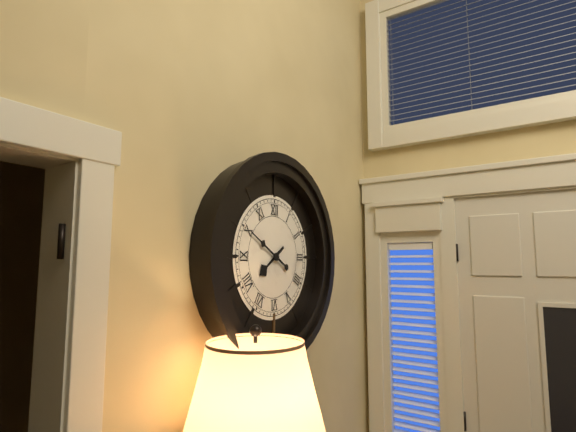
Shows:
{"hour": 7, "minute": 50}
